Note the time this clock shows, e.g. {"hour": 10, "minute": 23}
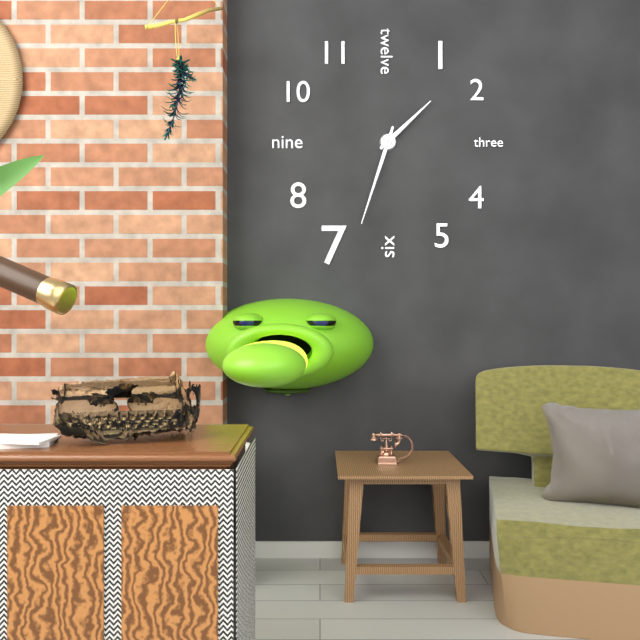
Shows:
{"hour": 1, "minute": 33}
